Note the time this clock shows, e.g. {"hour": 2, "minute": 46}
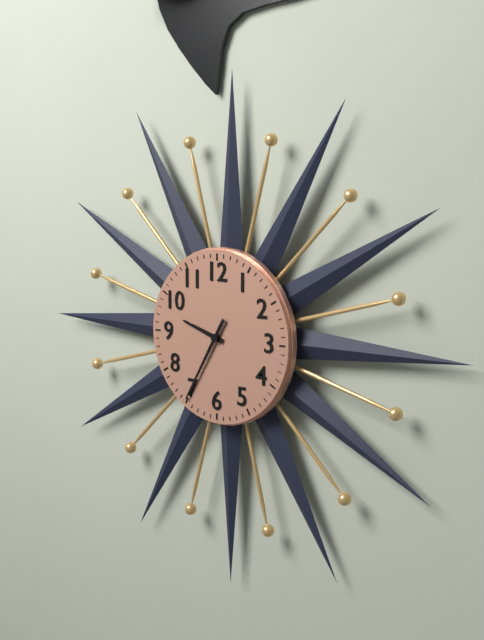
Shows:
{"hour": 9, "minute": 35}
